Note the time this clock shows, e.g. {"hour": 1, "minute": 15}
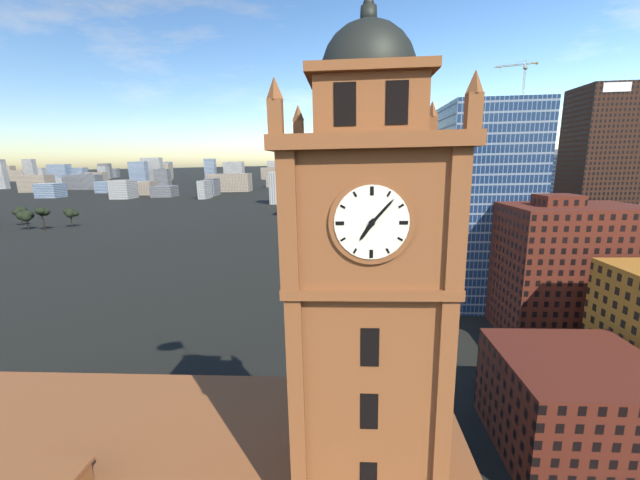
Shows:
{"hour": 7, "minute": 7}
